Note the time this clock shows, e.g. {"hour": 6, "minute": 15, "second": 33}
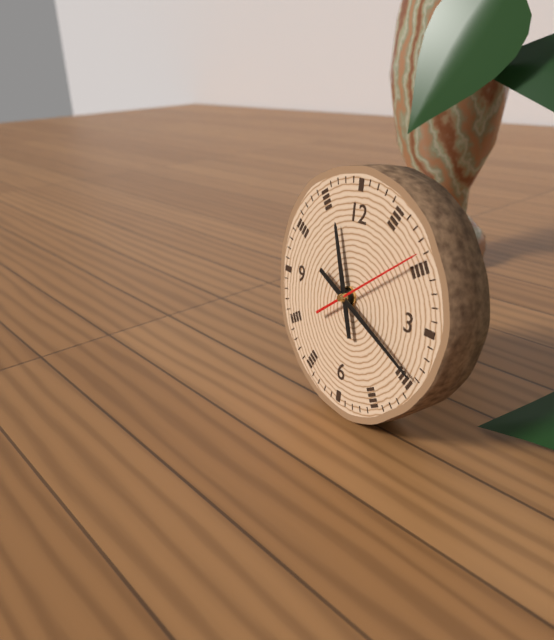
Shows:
{"hour": 11, "minute": 19, "second": 9}
